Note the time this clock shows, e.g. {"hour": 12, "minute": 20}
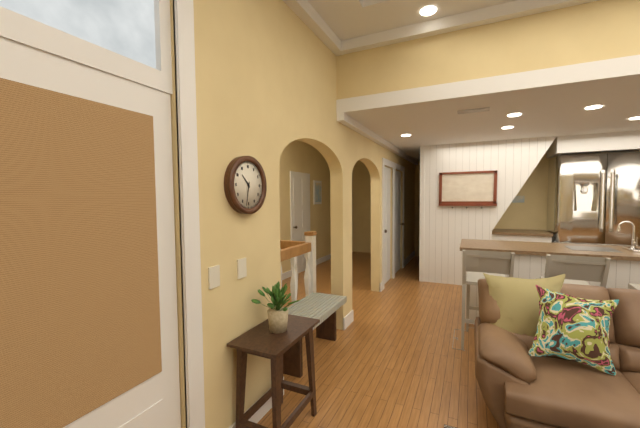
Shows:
{"hour": 10, "minute": 32}
